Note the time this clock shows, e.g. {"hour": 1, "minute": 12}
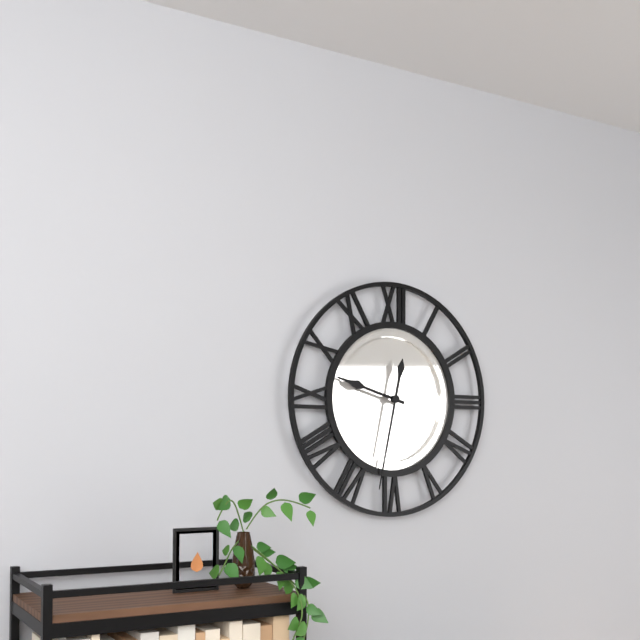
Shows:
{"hour": 9, "minute": 32}
